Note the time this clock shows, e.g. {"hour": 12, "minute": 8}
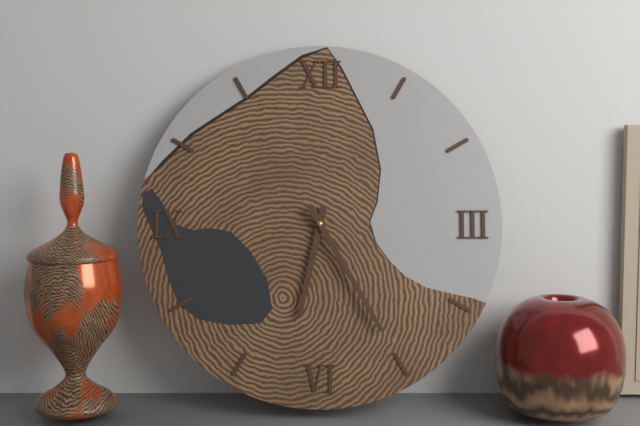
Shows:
{"hour": 6, "minute": 25}
